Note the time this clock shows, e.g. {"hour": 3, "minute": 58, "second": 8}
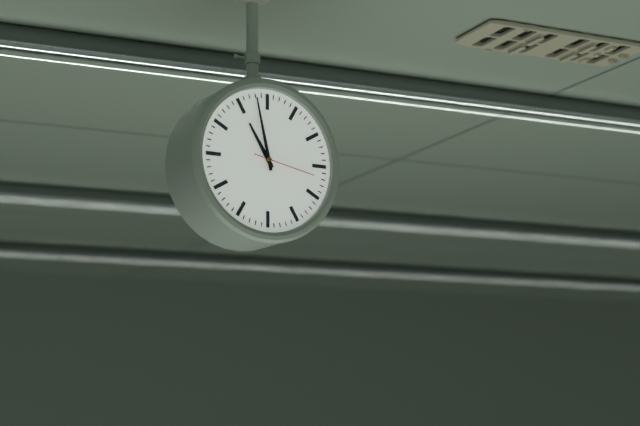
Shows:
{"hour": 10, "minute": 58, "second": 17}
